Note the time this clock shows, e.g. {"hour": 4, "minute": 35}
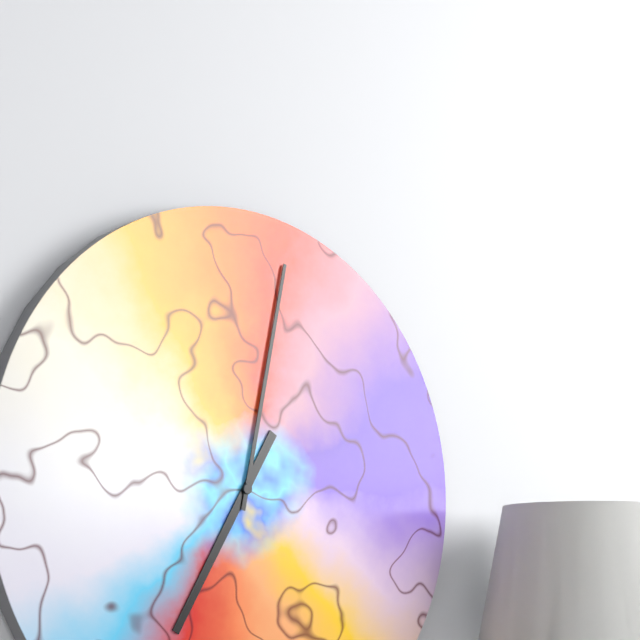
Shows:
{"hour": 7, "minute": 2}
